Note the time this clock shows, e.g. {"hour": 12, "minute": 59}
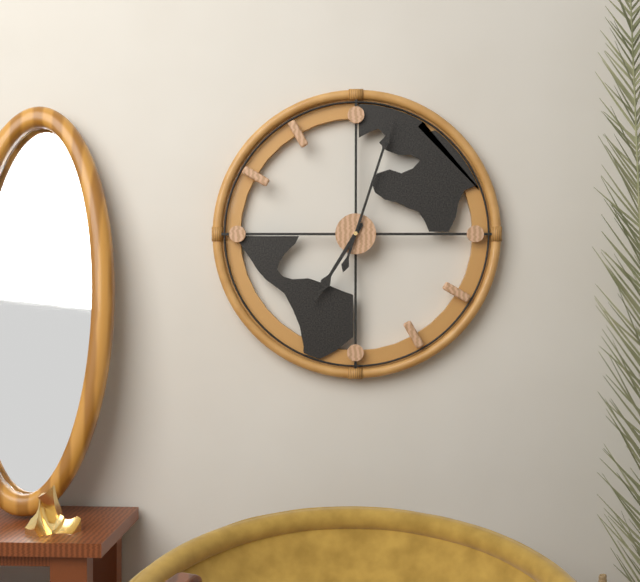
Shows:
{"hour": 7, "minute": 3}
